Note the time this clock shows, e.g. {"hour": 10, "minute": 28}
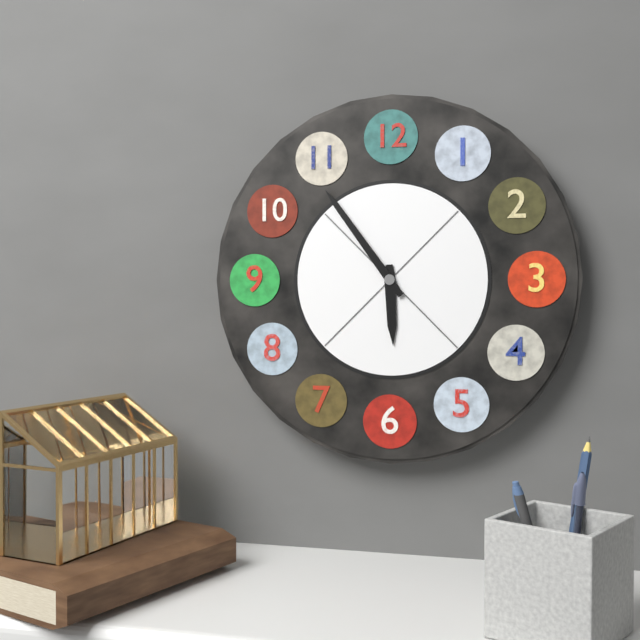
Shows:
{"hour": 5, "minute": 54}
